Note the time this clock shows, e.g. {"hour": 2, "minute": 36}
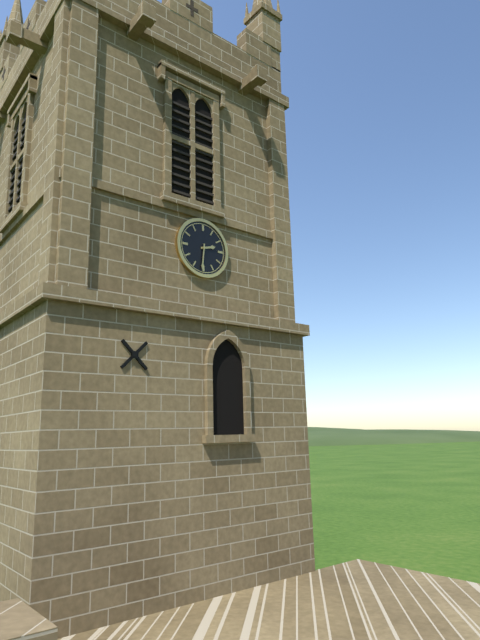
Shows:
{"hour": 2, "minute": 31}
